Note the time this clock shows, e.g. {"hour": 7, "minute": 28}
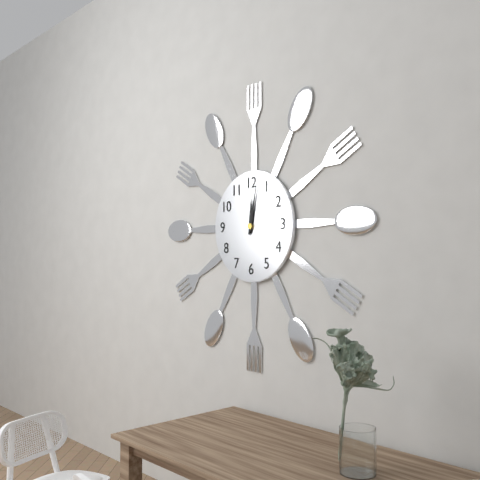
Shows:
{"hour": 12, "minute": 2}
